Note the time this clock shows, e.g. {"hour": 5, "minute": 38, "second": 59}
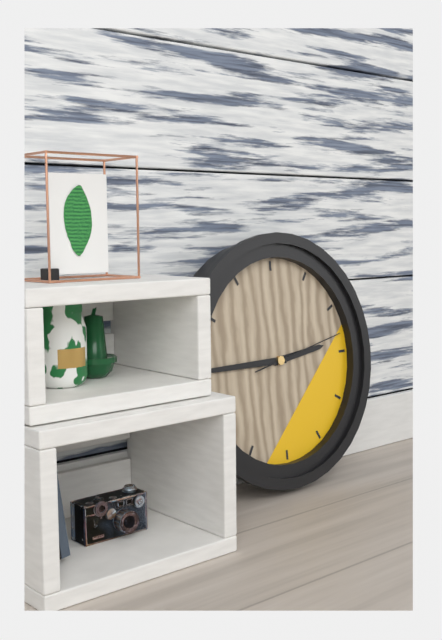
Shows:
{"hour": 2, "minute": 45, "second": 13}
